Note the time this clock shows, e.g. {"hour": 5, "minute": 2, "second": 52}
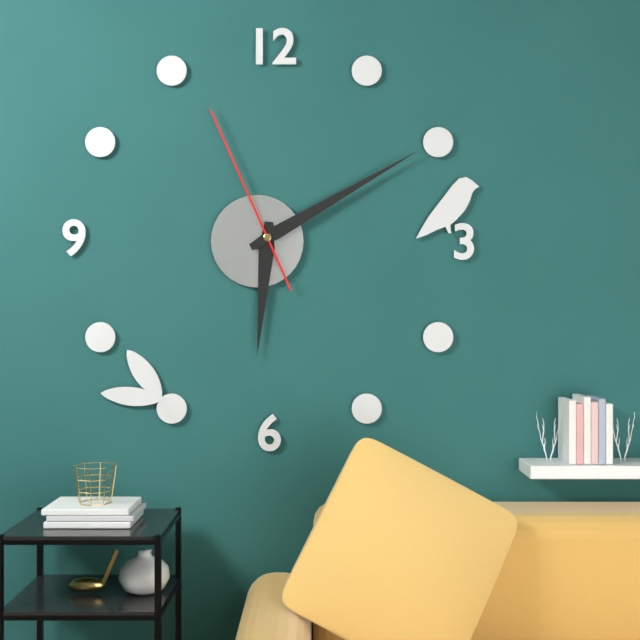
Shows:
{"hour": 6, "minute": 10, "second": 56}
